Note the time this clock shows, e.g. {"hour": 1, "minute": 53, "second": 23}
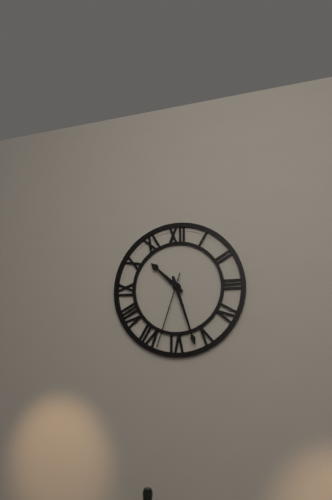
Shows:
{"hour": 10, "minute": 27, "second": 33}
